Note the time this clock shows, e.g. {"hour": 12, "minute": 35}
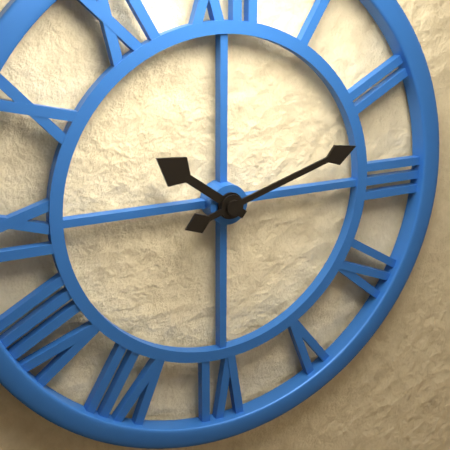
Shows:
{"hour": 10, "minute": 12}
